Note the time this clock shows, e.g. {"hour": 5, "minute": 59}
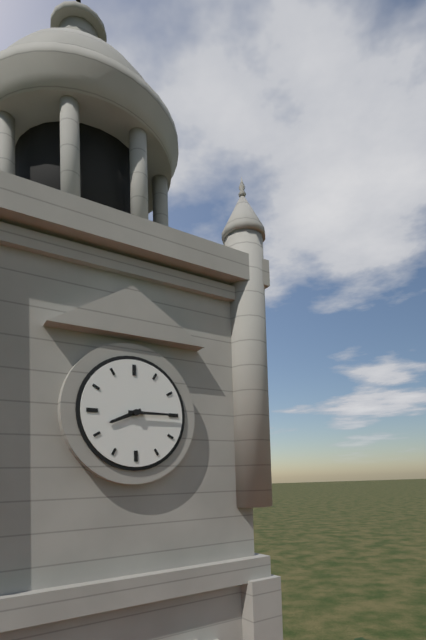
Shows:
{"hour": 8, "minute": 15}
